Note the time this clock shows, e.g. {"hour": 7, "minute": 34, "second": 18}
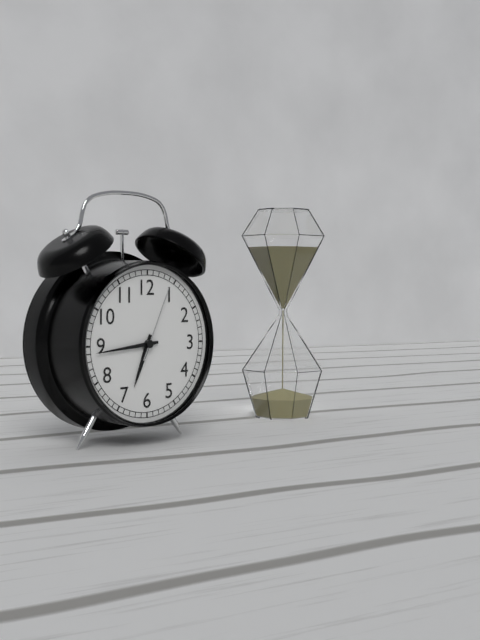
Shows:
{"hour": 6, "minute": 44, "second": 4}
